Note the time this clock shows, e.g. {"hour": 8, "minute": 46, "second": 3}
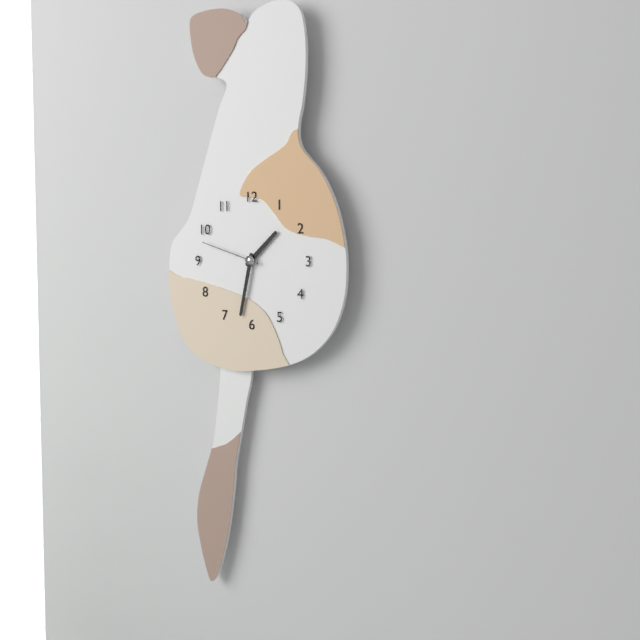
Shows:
{"hour": 1, "minute": 32, "second": 48}
